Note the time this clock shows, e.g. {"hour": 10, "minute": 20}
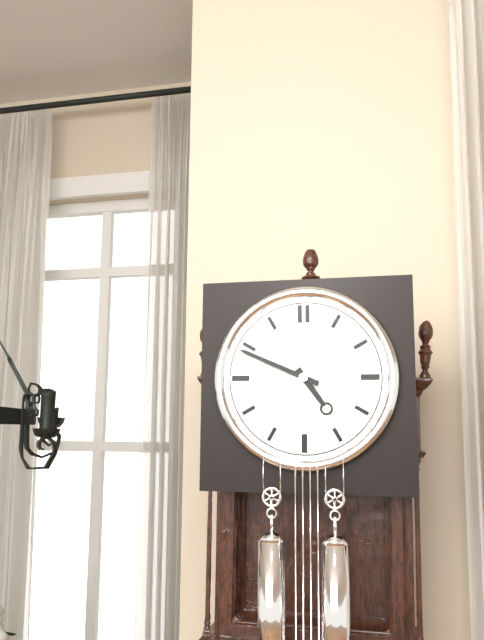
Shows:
{"hour": 4, "minute": 49}
